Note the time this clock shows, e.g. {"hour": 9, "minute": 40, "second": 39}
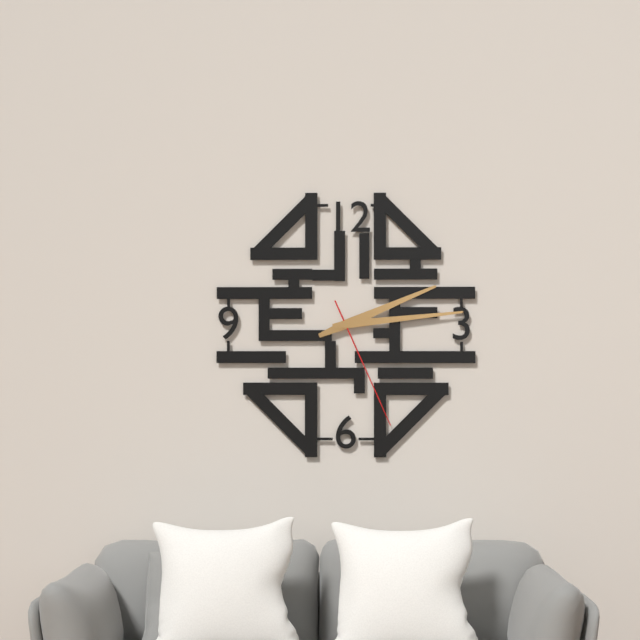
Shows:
{"hour": 2, "minute": 14, "second": 26}
